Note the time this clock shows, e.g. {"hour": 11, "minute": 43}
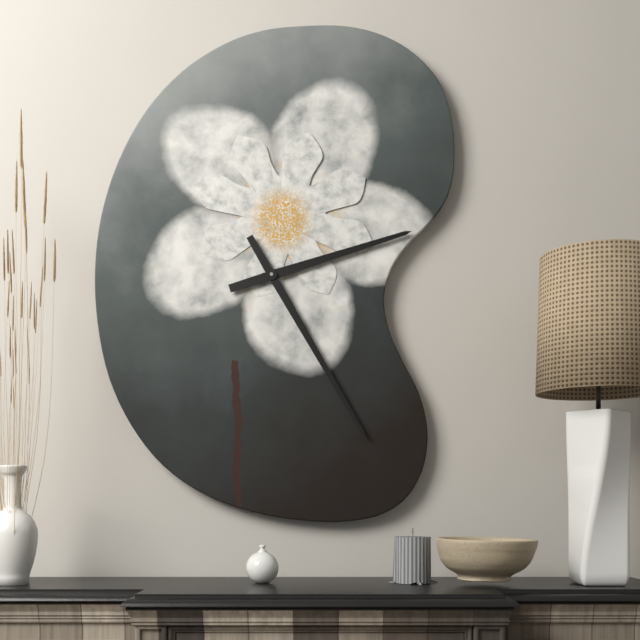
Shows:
{"hour": 2, "minute": 25}
